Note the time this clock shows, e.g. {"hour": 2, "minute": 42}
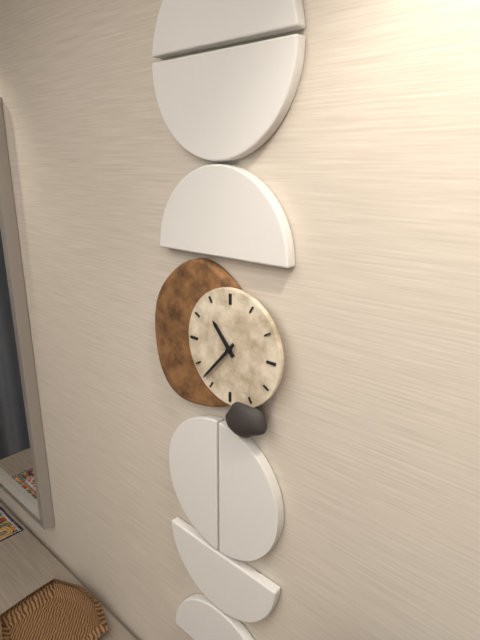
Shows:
{"hour": 10, "minute": 37}
